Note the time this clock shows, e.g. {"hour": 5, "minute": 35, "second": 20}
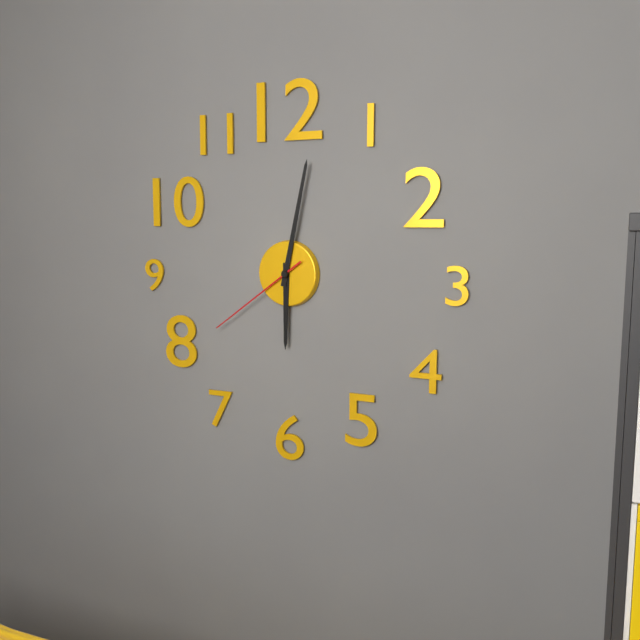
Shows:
{"hour": 6, "minute": 2, "second": 39}
